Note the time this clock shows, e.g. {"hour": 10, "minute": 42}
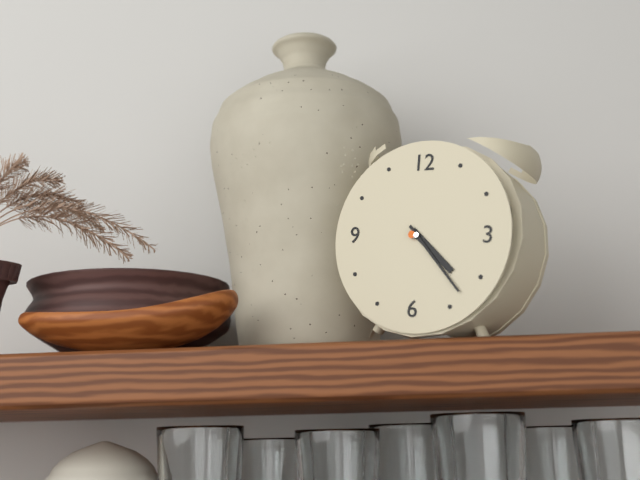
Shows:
{"hour": 4, "minute": 23}
